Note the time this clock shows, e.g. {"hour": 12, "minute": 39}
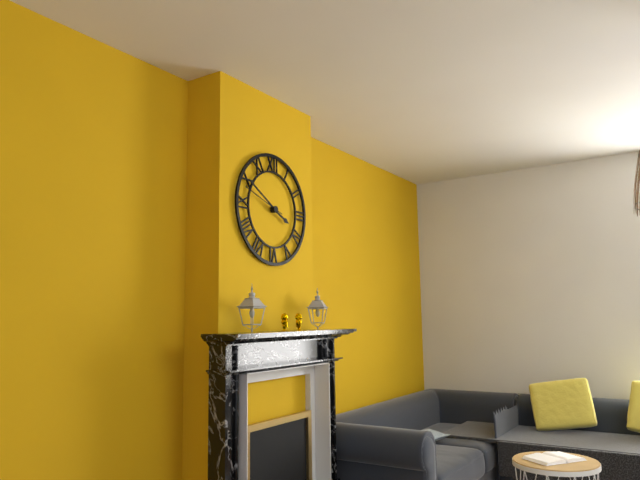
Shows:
{"hour": 3, "minute": 50}
